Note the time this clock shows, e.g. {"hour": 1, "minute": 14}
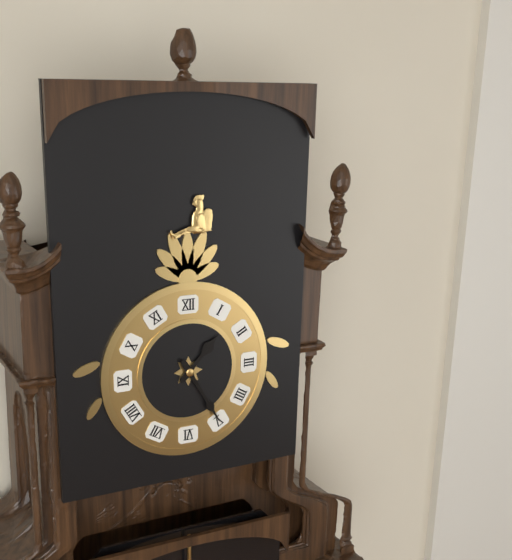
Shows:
{"hour": 1, "minute": 25}
